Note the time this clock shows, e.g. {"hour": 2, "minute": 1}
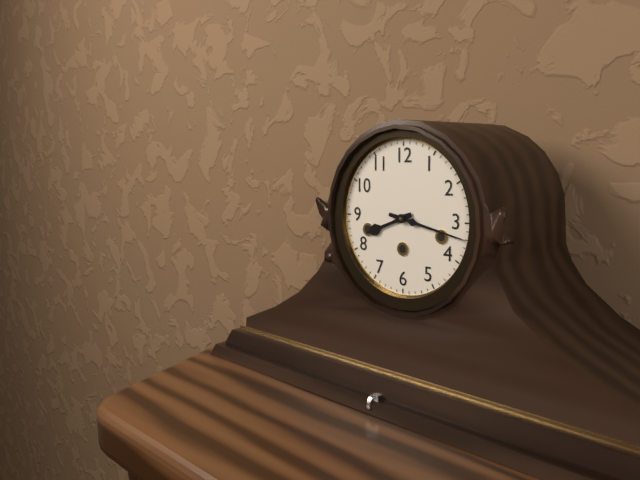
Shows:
{"hour": 8, "minute": 17}
